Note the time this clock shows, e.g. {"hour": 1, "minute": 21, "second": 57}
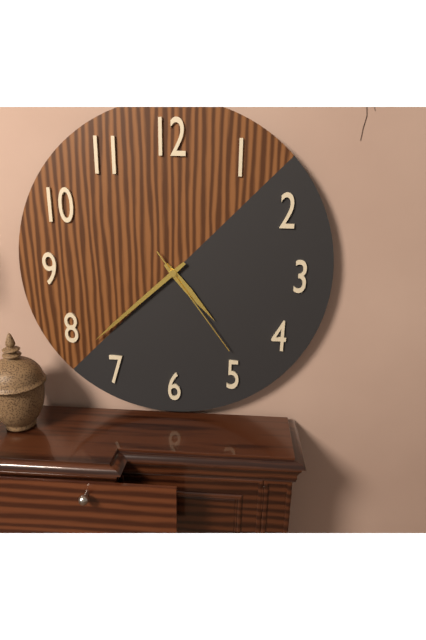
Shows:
{"hour": 4, "minute": 38, "second": 24}
